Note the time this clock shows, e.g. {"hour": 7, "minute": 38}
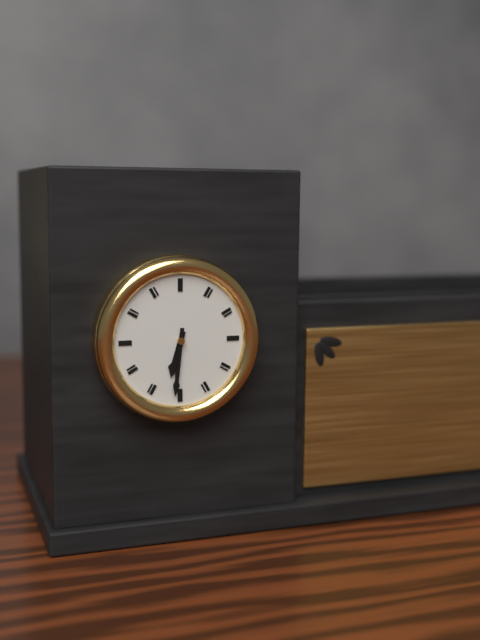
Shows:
{"hour": 6, "minute": 31}
